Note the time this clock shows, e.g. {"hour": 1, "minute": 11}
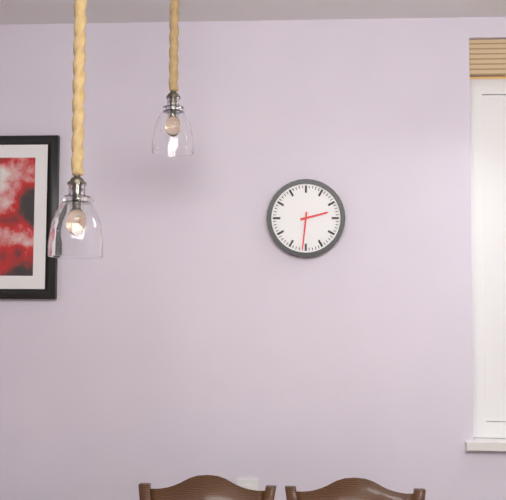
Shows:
{"hour": 2, "minute": 31}
